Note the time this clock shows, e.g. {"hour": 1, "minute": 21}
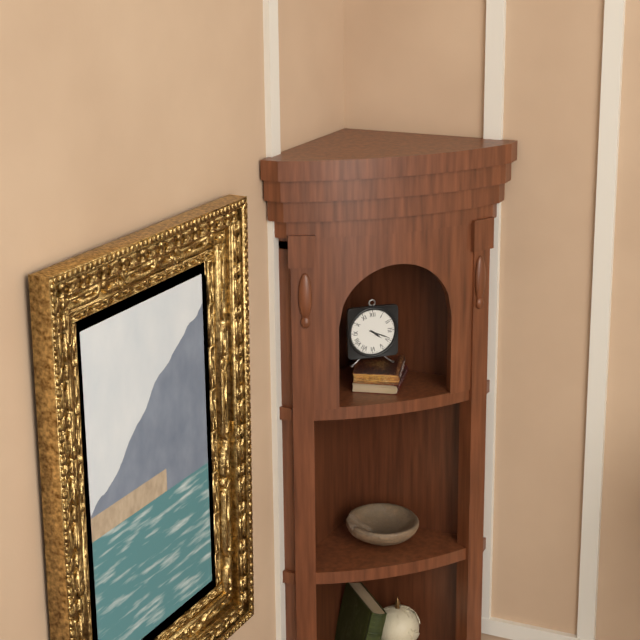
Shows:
{"hour": 4, "minute": 19}
